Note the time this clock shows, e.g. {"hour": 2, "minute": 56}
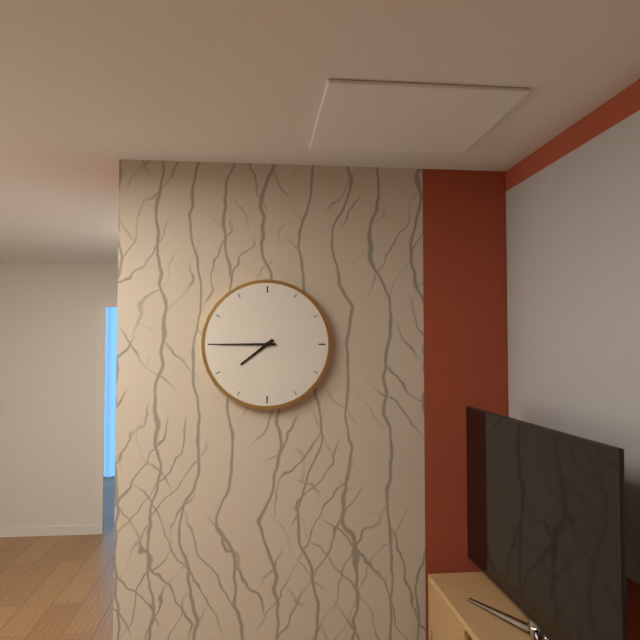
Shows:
{"hour": 7, "minute": 45}
